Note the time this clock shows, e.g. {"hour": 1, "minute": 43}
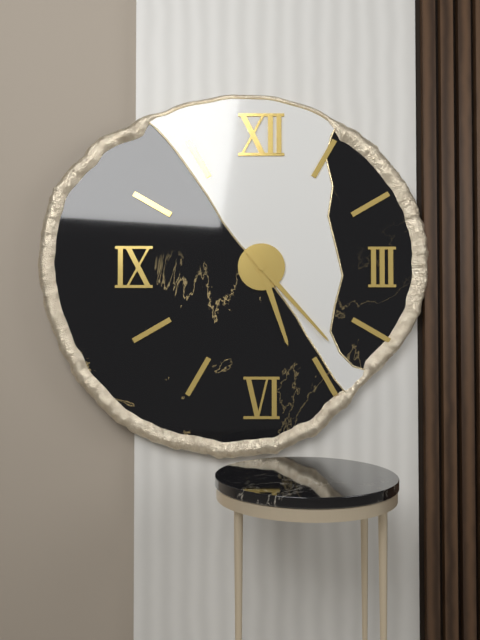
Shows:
{"hour": 5, "minute": 23}
